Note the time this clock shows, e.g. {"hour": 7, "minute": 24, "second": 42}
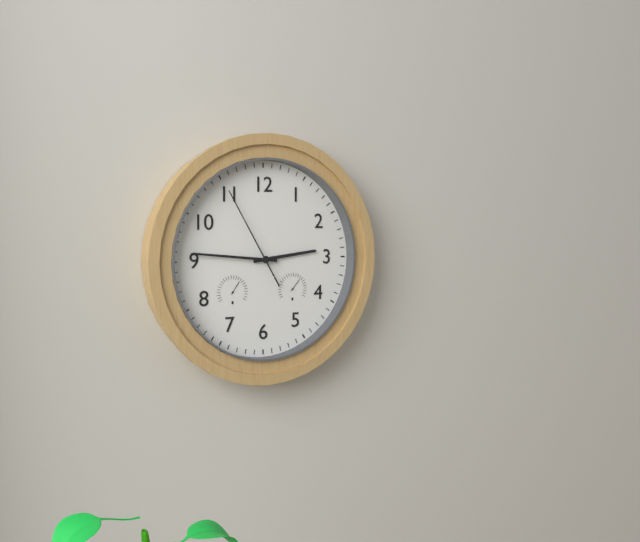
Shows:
{"hour": 2, "minute": 46, "second": 55}
